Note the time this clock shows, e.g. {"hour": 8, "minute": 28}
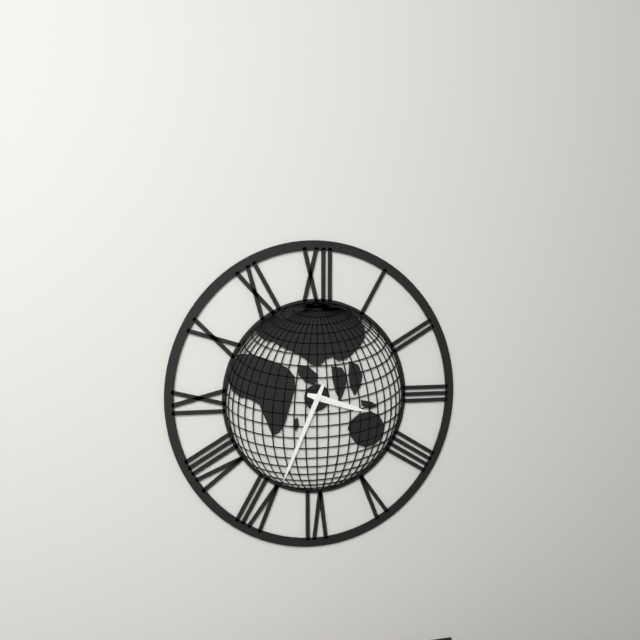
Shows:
{"hour": 3, "minute": 34}
